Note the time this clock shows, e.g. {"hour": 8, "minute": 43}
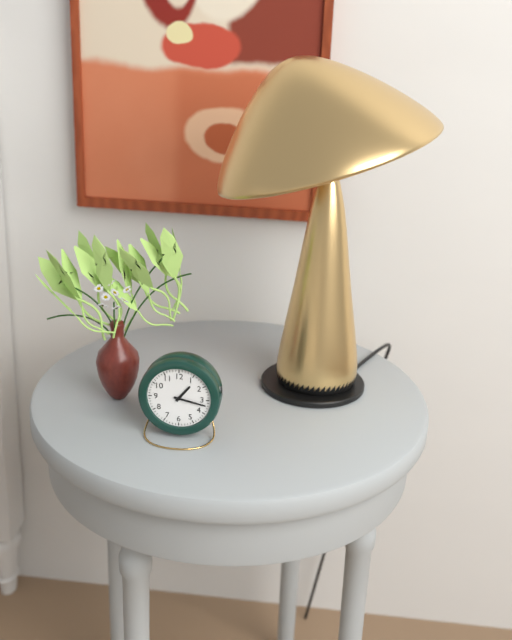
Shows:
{"hour": 1, "minute": 17}
